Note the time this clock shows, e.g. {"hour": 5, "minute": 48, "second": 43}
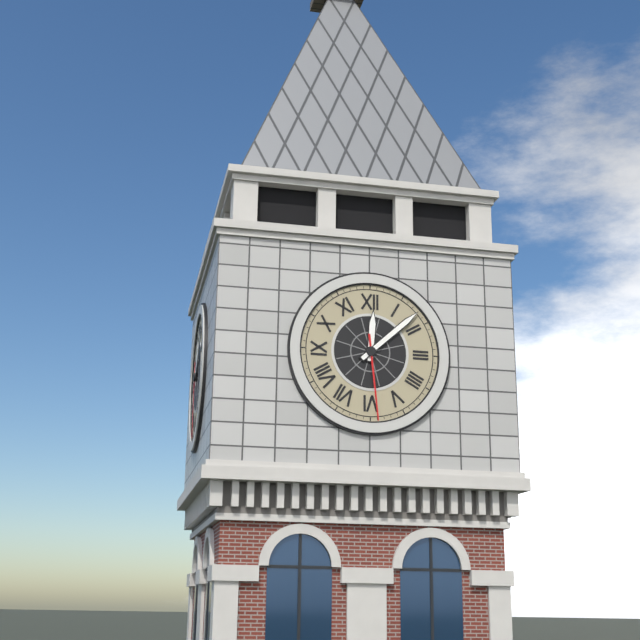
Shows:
{"hour": 12, "minute": 8, "second": 29}
